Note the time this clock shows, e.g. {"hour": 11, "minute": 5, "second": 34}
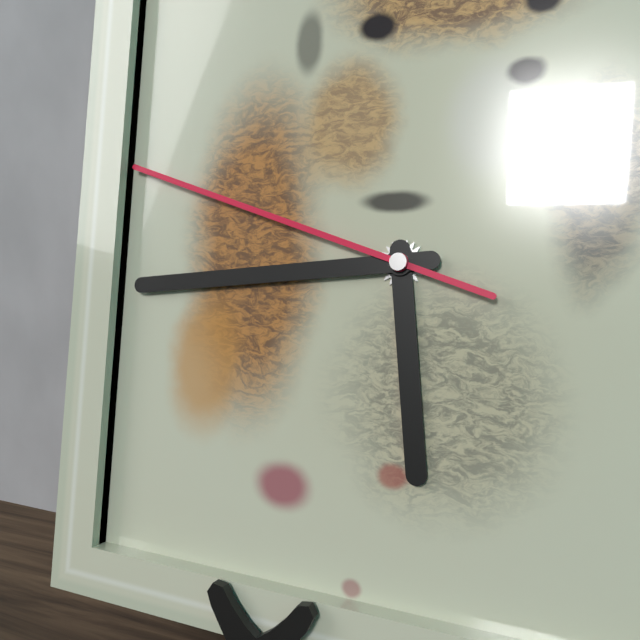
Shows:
{"hour": 5, "minute": 44, "second": 48}
